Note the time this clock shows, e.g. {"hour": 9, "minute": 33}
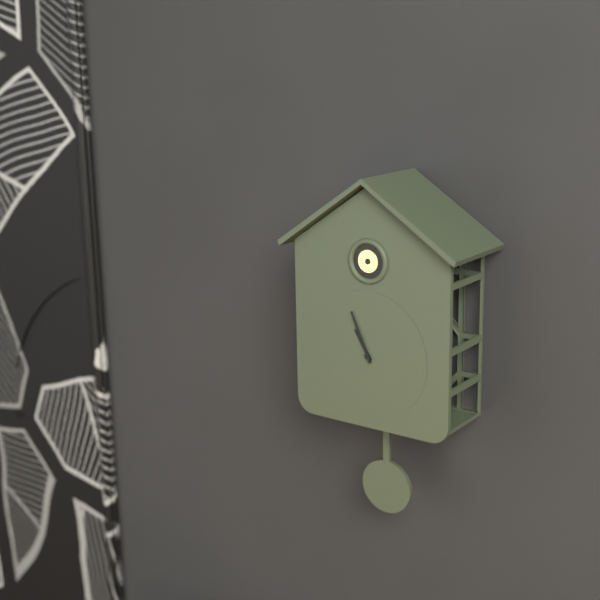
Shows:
{"hour": 10, "minute": 56}
